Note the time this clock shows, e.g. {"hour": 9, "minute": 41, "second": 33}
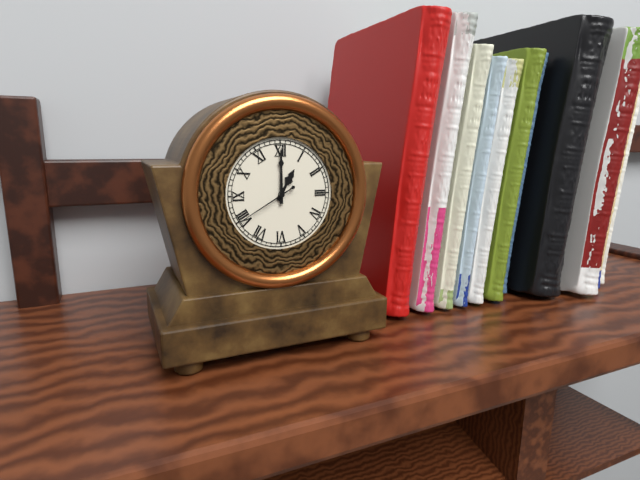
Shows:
{"hour": 1, "minute": 0, "second": 40}
